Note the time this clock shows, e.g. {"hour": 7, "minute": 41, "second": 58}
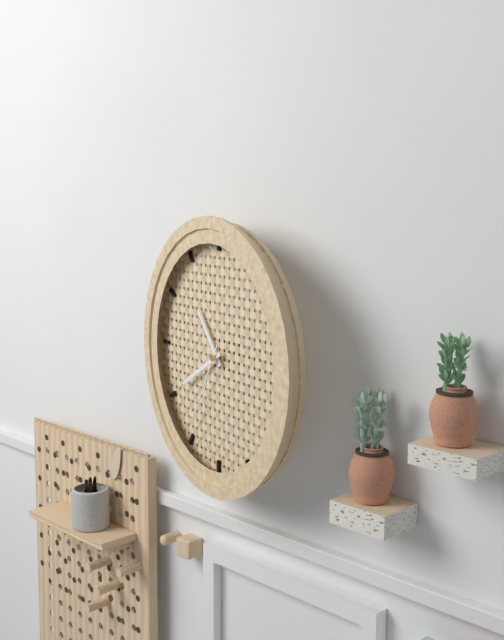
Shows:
{"hour": 10, "minute": 40, "second": 35}
